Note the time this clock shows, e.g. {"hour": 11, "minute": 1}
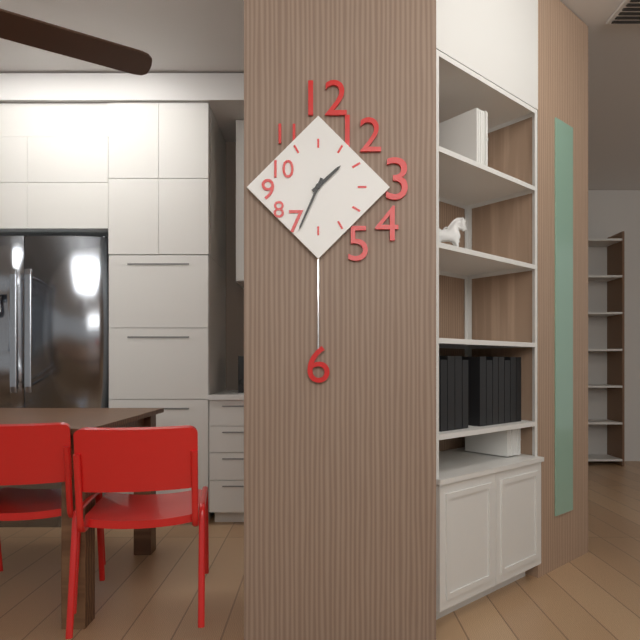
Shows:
{"hour": 1, "minute": 34}
